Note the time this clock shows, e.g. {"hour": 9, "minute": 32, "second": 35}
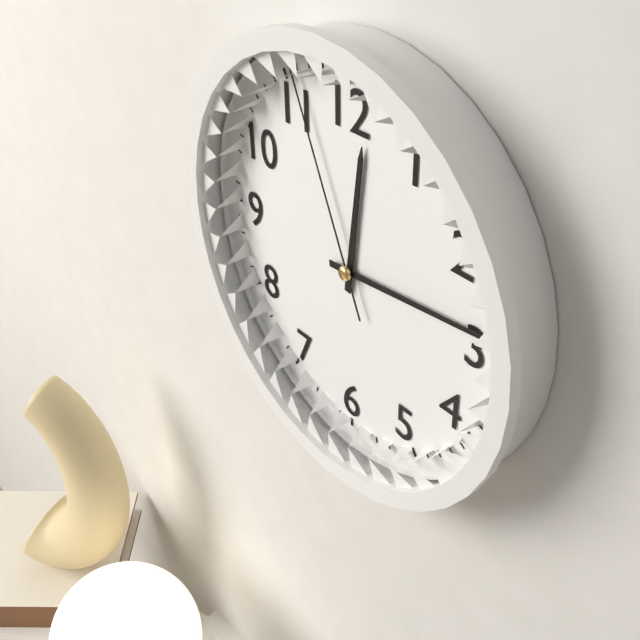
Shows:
{"hour": 12, "minute": 14, "second": 56}
